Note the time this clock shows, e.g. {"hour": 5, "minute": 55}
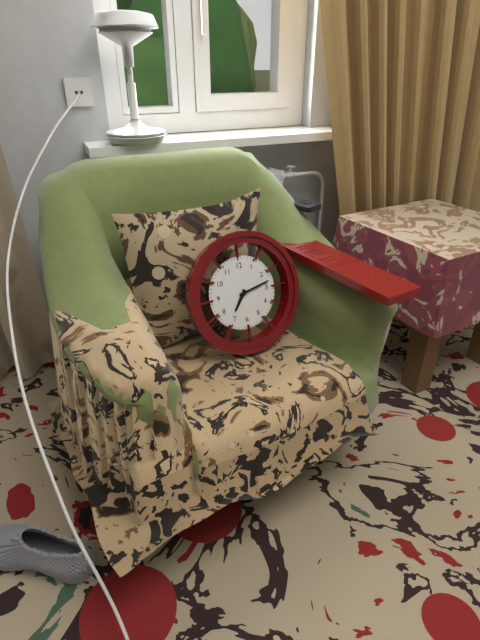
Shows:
{"hour": 7, "minute": 13}
